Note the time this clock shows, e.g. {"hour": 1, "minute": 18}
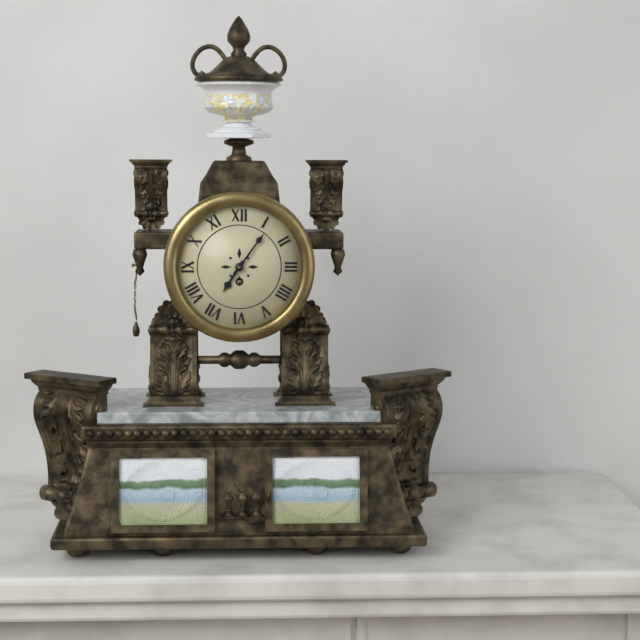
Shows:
{"hour": 7, "minute": 6}
